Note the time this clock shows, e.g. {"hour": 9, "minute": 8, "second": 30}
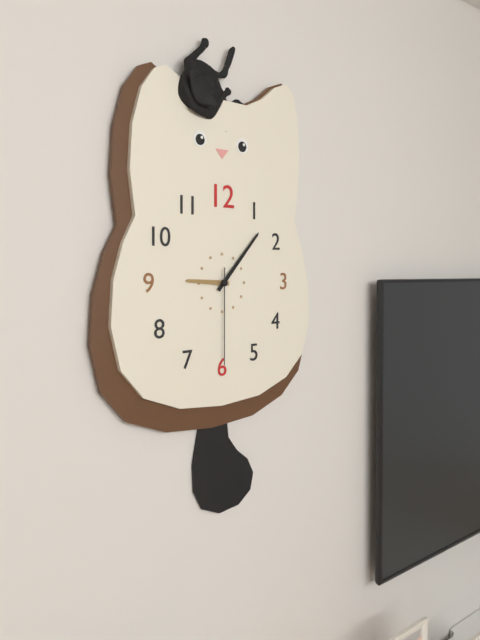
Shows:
{"hour": 9, "minute": 7, "second": 30}
